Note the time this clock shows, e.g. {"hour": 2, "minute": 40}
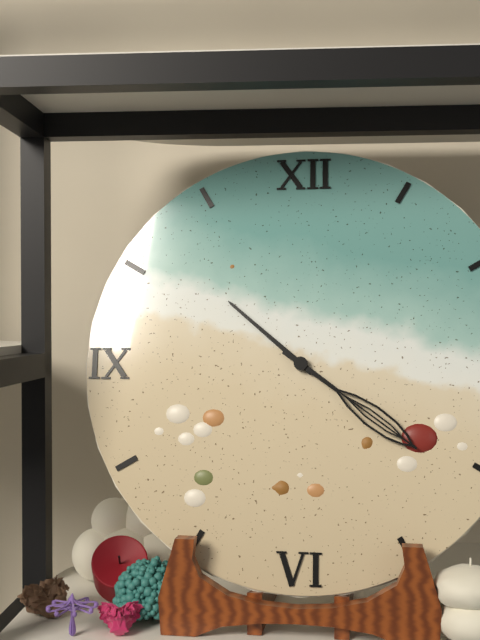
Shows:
{"hour": 10, "minute": 21}
